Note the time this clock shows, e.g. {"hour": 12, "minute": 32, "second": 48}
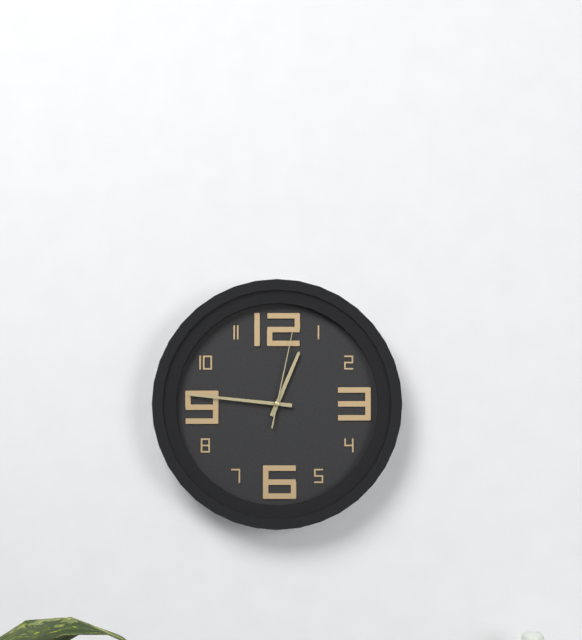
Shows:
{"hour": 12, "minute": 46, "second": 2}
